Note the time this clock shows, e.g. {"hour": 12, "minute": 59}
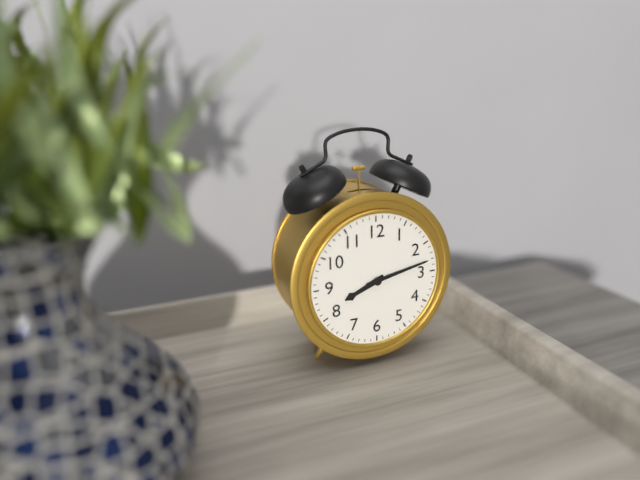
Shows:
{"hour": 8, "minute": 13}
